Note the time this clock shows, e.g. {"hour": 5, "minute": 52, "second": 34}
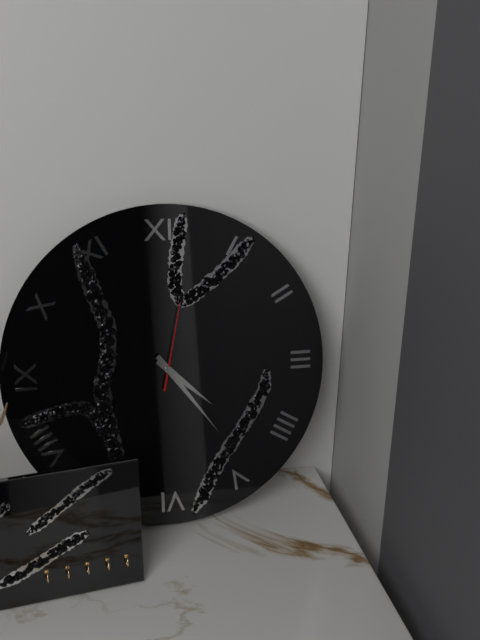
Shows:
{"hour": 4, "minute": 24, "second": 2}
